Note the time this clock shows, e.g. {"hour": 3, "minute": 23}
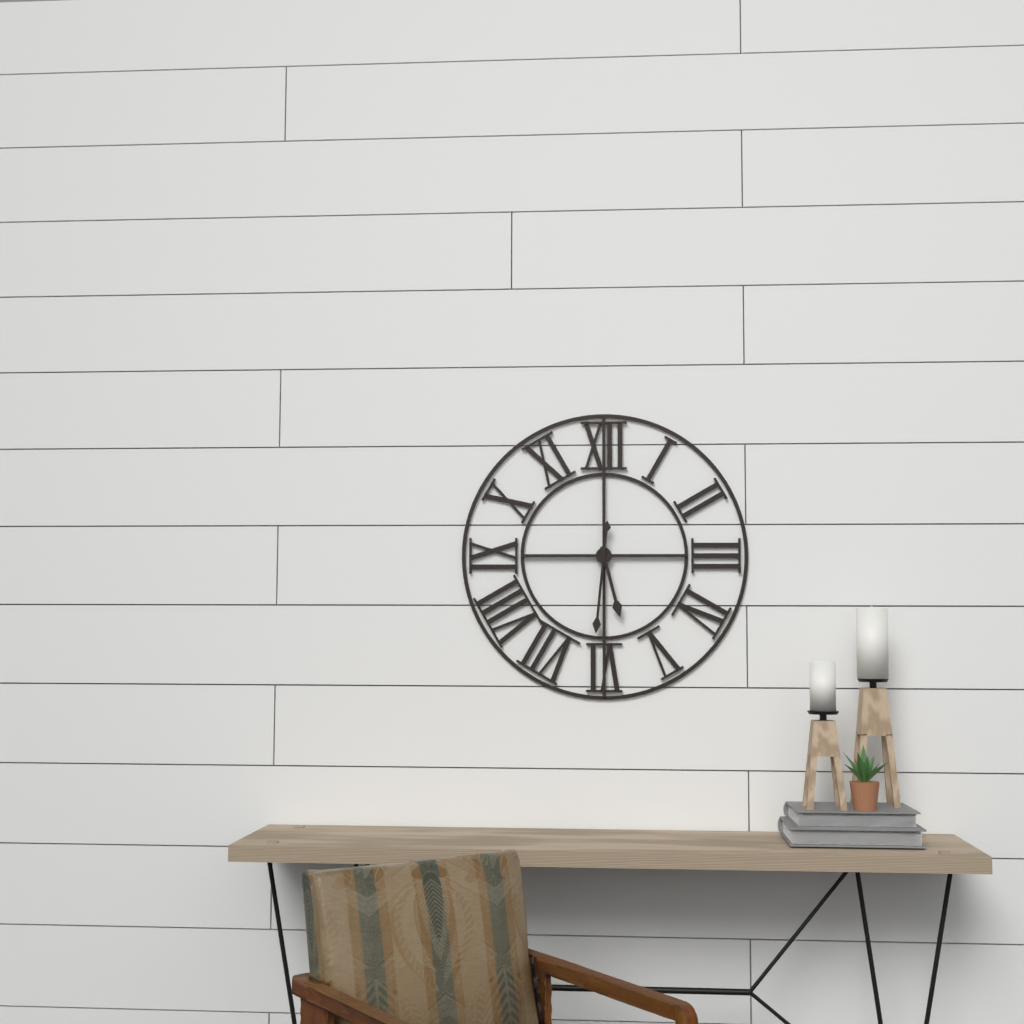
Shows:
{"hour": 5, "minute": 31}
